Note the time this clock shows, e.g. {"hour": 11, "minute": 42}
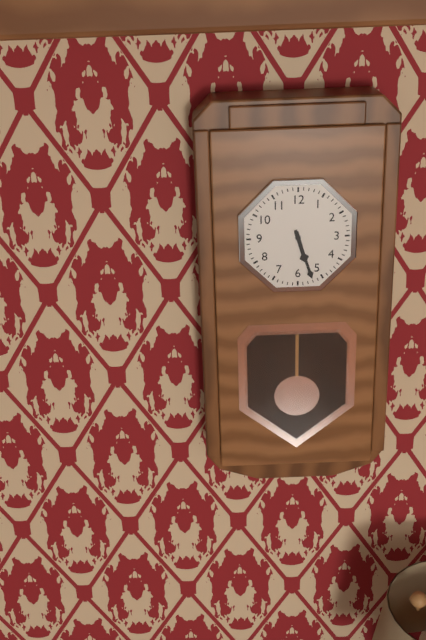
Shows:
{"hour": 5, "minute": 27}
